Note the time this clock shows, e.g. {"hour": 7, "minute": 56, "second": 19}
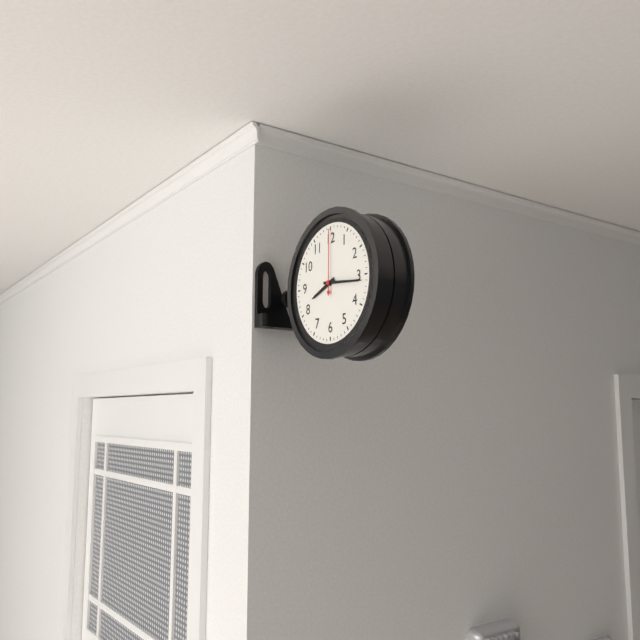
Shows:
{"hour": 8, "minute": 16, "second": 0}
